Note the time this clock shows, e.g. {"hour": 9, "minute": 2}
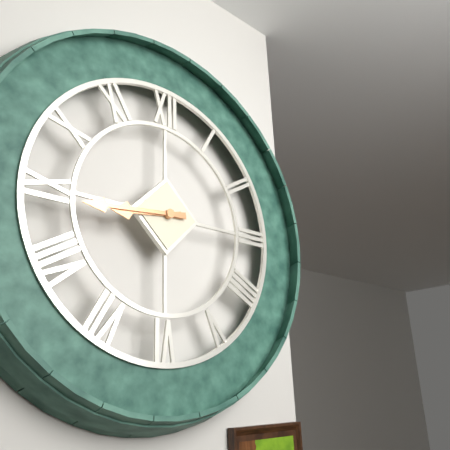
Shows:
{"hour": 8, "minute": 44}
